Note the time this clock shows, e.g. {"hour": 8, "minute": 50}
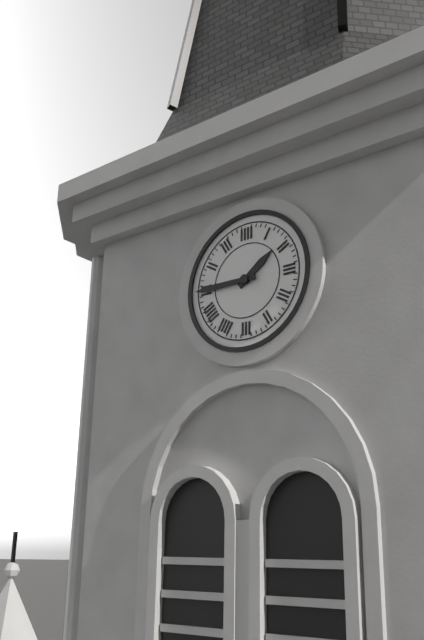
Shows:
{"hour": 1, "minute": 45}
